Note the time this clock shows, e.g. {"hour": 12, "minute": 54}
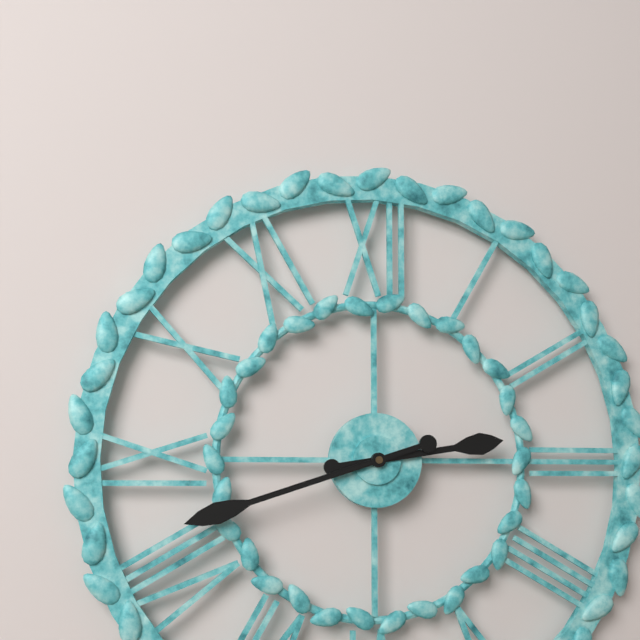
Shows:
{"hour": 2, "minute": 42}
